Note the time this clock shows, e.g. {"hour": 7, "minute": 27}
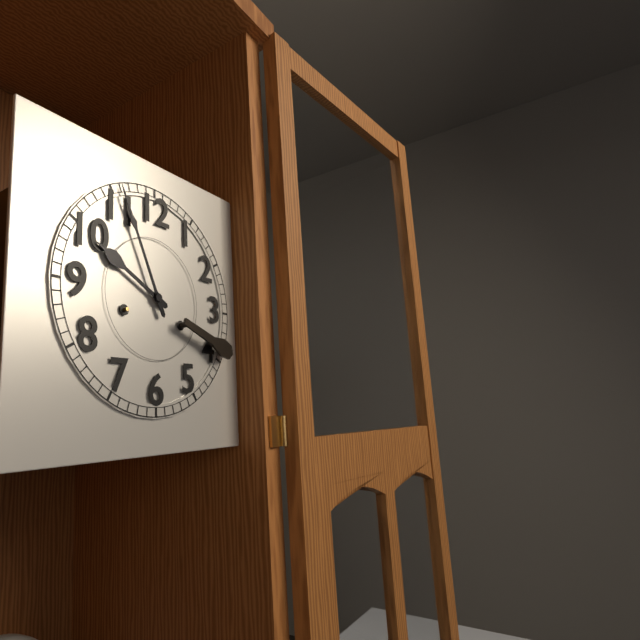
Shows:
{"hour": 9, "minute": 56}
